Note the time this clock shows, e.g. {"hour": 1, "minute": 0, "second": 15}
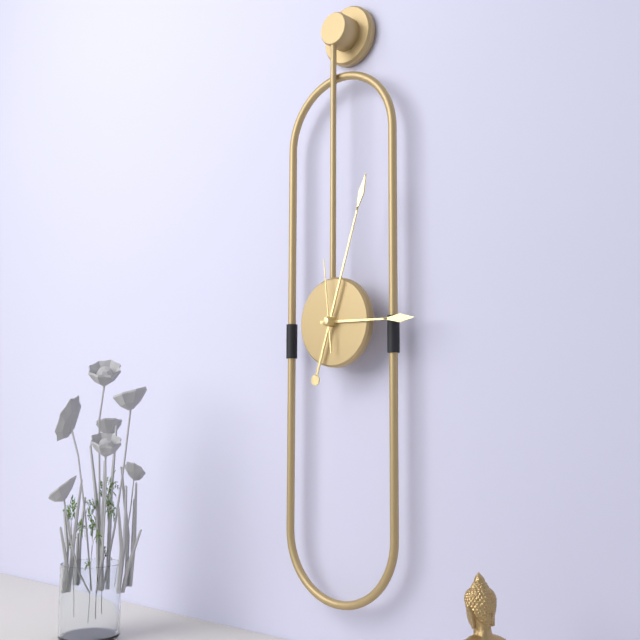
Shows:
{"hour": 3, "minute": 3, "second": 59}
